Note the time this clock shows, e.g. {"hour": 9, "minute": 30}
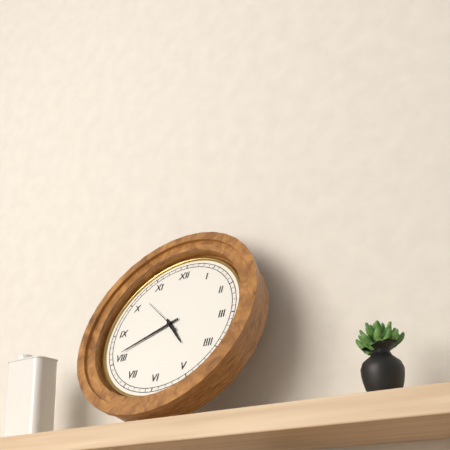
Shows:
{"hour": 4, "minute": 41}
